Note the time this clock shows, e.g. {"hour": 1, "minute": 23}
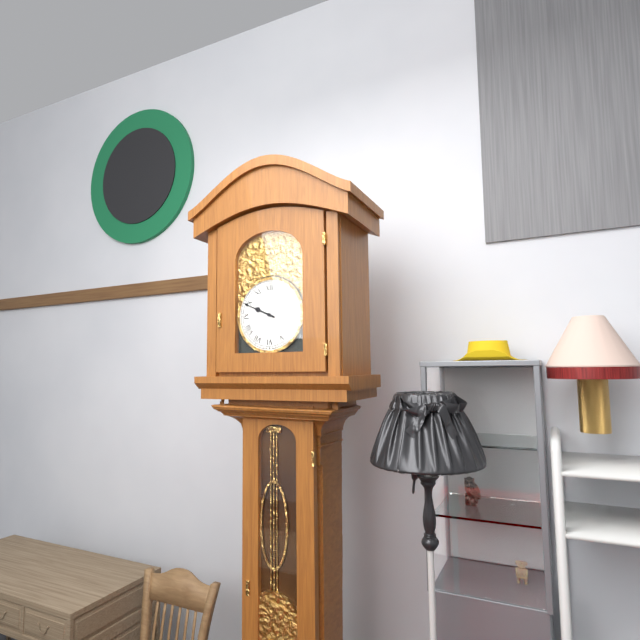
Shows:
{"hour": 9, "minute": 49}
